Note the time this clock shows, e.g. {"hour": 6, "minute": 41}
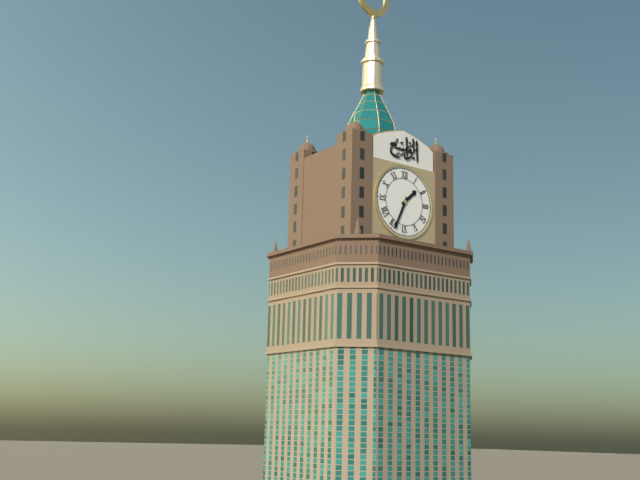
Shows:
{"hour": 1, "minute": 34}
